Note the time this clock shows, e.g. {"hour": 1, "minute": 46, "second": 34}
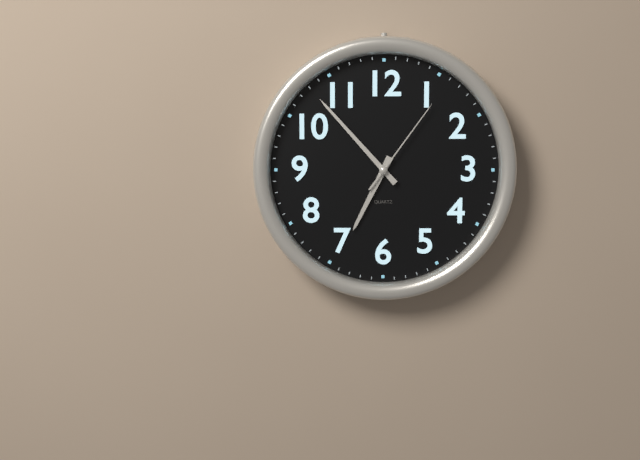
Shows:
{"hour": 6, "minute": 53, "second": 6}
